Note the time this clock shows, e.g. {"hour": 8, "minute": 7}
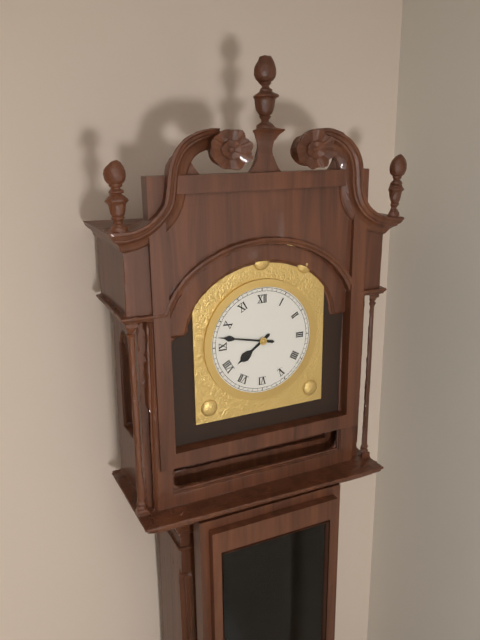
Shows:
{"hour": 7, "minute": 47}
